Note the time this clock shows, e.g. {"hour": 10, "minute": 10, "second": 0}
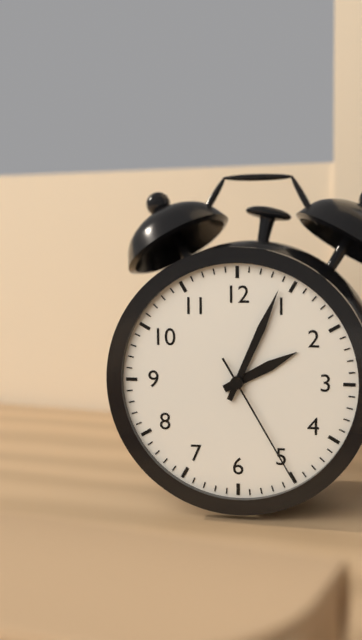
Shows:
{"hour": 2, "minute": 4, "second": 25}
